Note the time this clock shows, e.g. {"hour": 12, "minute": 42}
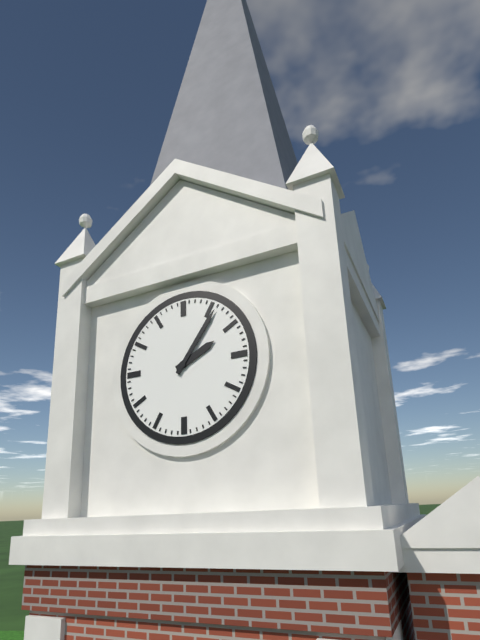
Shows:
{"hour": 2, "minute": 6}
